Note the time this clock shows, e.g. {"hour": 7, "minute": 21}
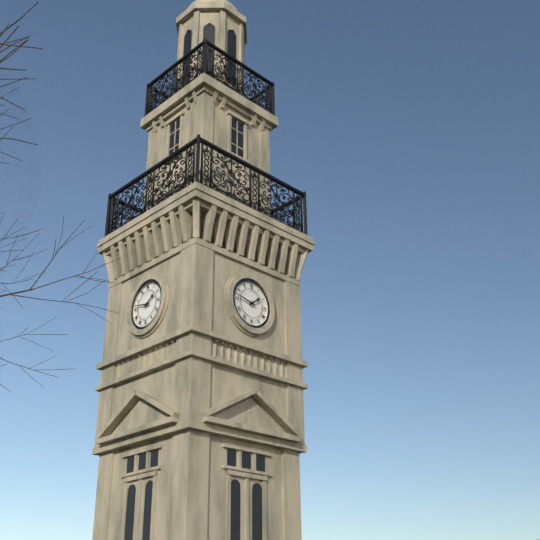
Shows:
{"hour": 1, "minute": 47}
